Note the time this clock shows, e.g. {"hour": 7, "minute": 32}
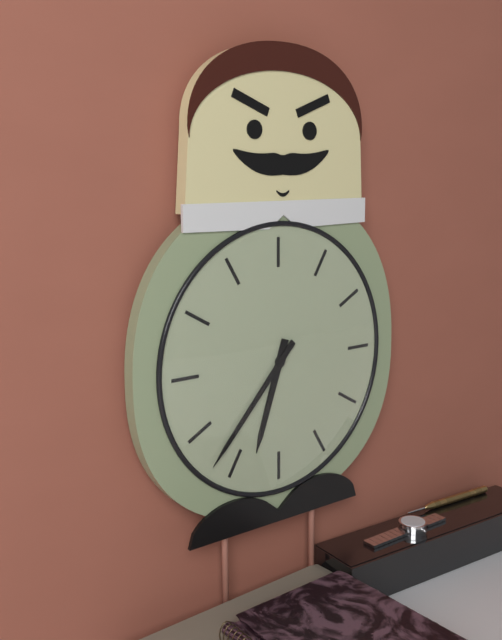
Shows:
{"hour": 6, "minute": 37}
